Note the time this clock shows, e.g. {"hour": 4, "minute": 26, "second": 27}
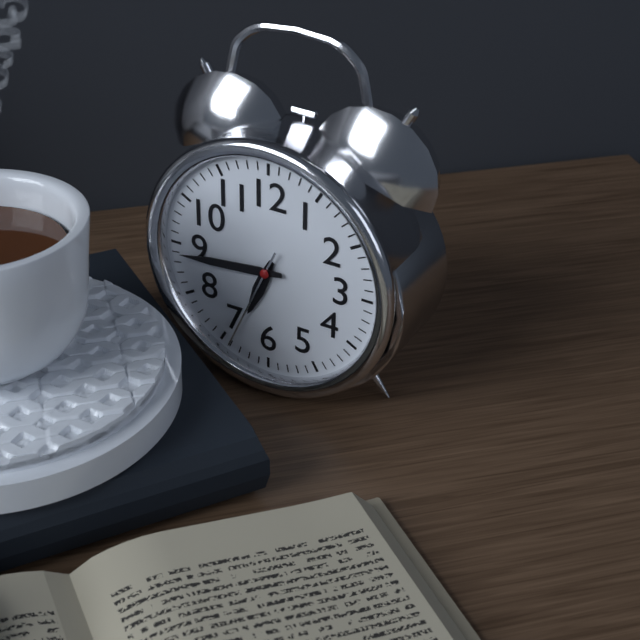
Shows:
{"hour": 6, "minute": 44, "second": 34}
